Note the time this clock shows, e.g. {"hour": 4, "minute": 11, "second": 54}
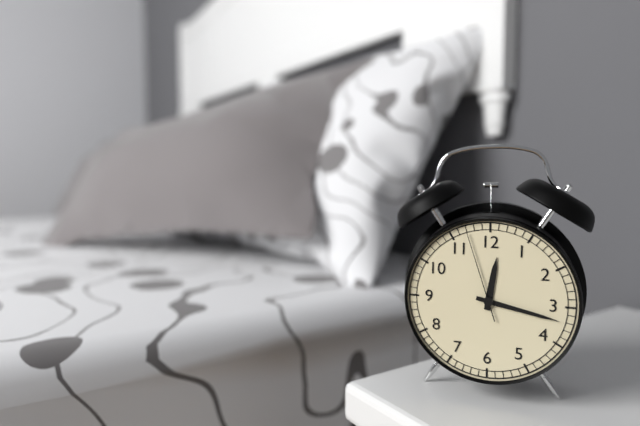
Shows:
{"hour": 12, "minute": 17, "second": 57}
